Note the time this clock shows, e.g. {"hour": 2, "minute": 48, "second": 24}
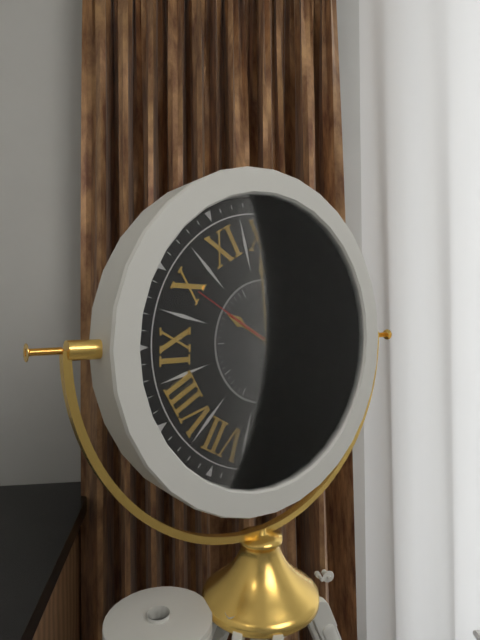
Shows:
{"hour": 9, "minute": 59, "second": 50}
